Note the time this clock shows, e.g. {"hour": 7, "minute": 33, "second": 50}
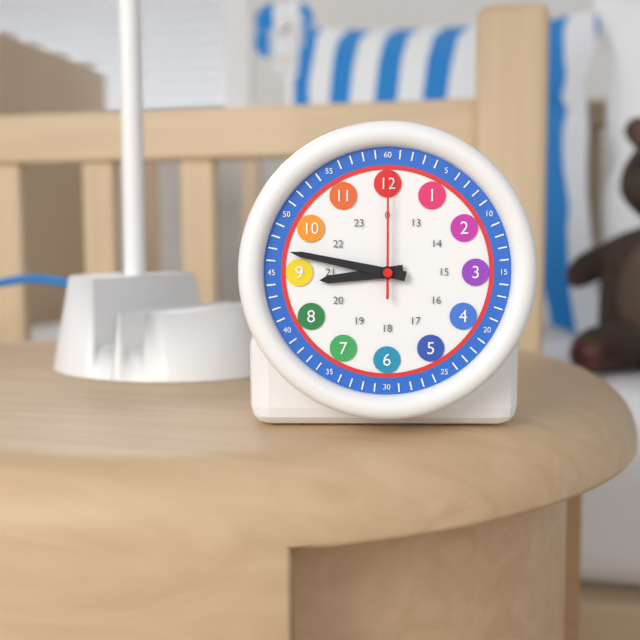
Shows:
{"hour": 8, "minute": 47, "second": 0}
